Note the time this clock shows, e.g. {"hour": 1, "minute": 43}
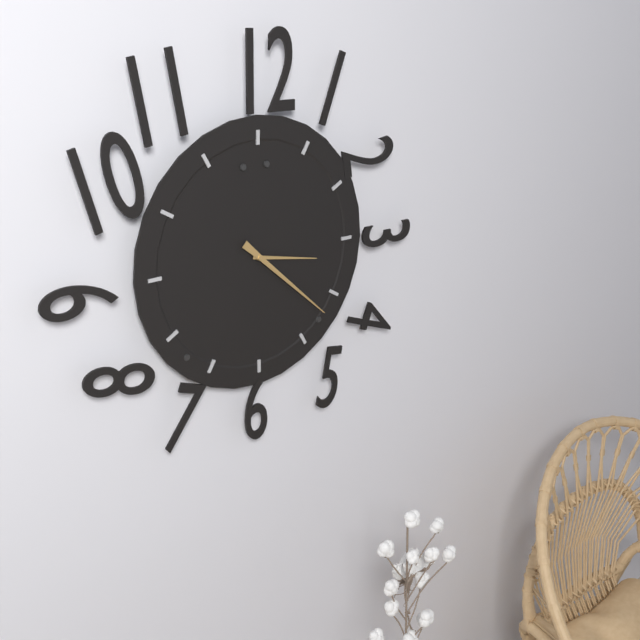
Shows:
{"hour": 3, "minute": 22}
